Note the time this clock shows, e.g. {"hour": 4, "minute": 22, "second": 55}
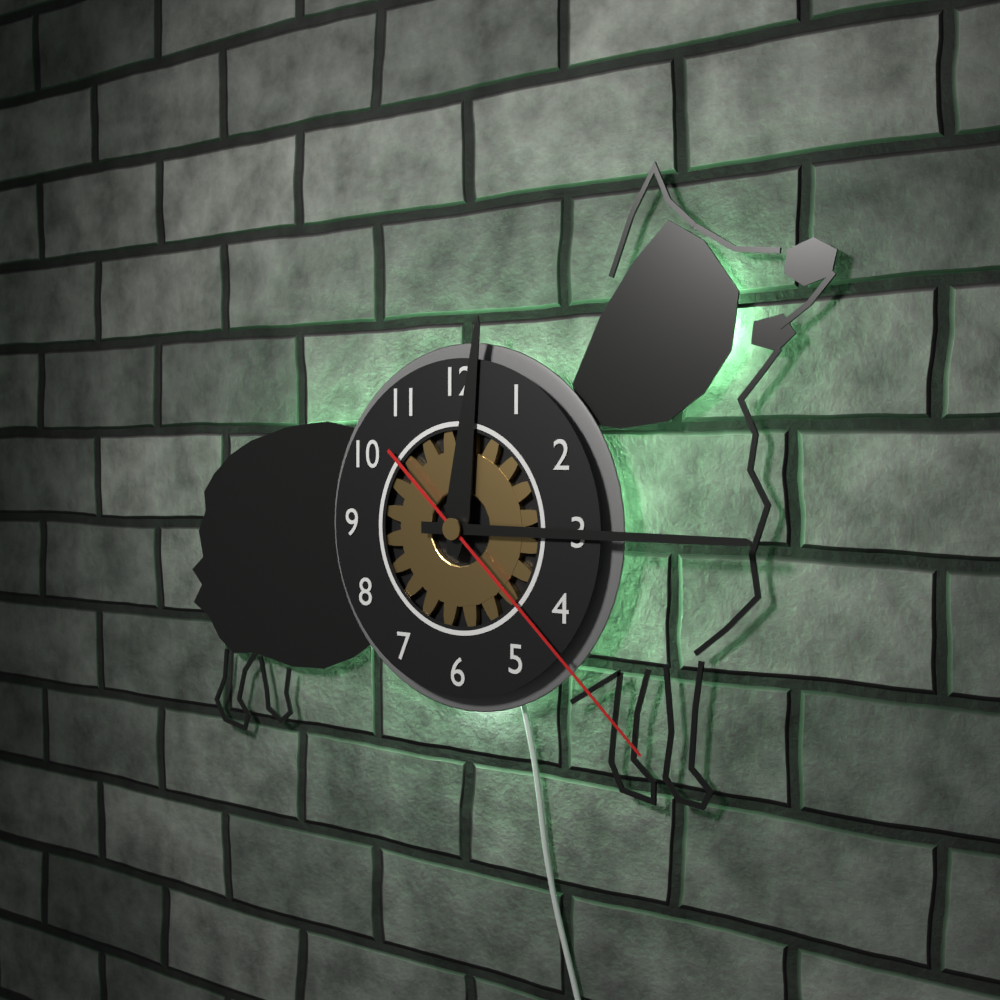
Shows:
{"hour": 12, "minute": 15, "second": 22}
